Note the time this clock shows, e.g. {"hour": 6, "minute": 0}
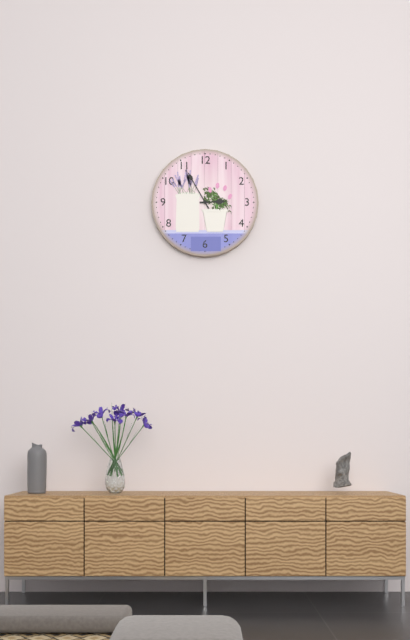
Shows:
{"hour": 2, "minute": 55}
